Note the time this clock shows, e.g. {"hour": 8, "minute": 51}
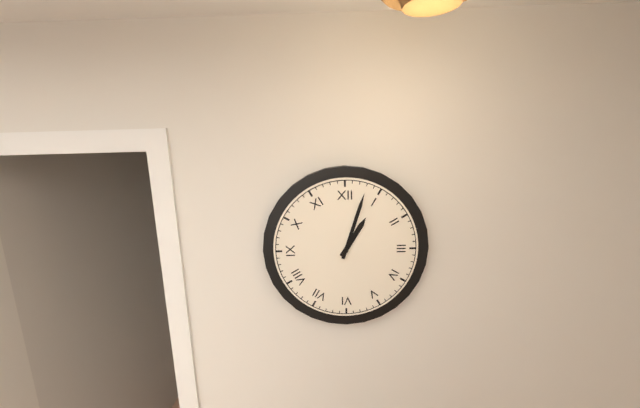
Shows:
{"hour": 1, "minute": 3}
